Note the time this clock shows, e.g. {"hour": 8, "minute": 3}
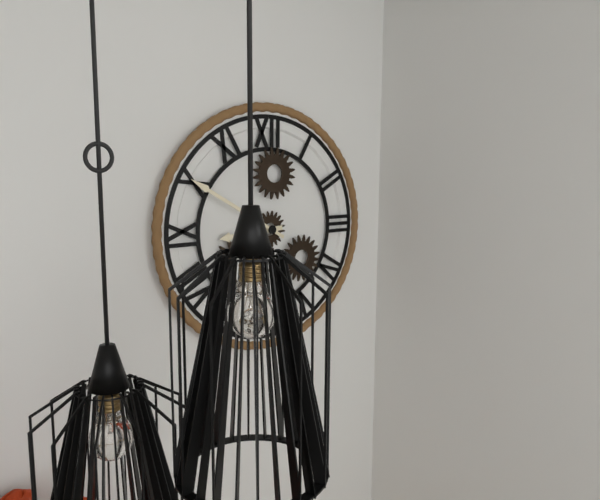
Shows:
{"hour": 8, "minute": 50}
